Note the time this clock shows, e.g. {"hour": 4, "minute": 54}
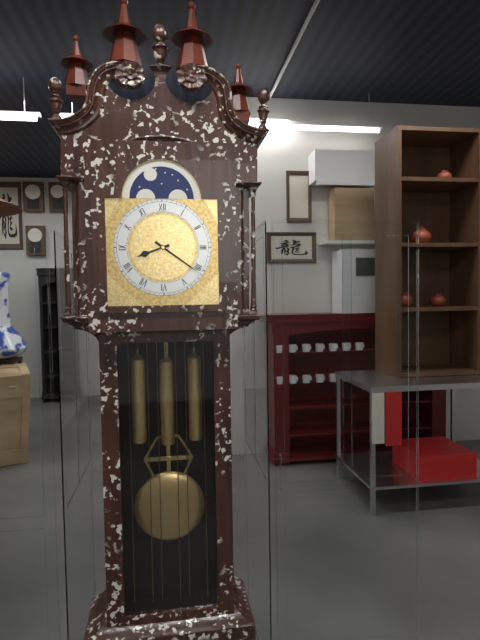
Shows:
{"hour": 8, "minute": 21}
